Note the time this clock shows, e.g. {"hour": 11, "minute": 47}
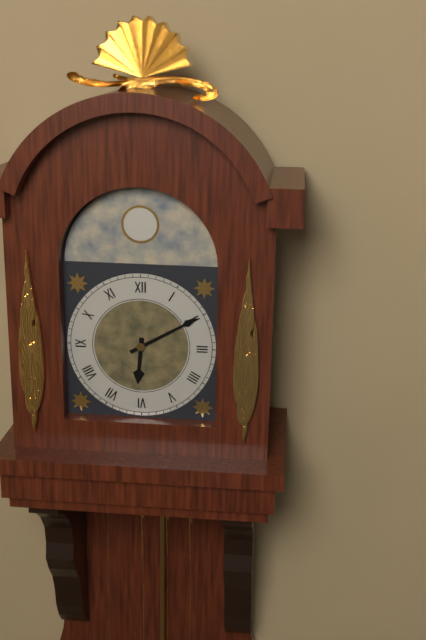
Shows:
{"hour": 6, "minute": 10}
